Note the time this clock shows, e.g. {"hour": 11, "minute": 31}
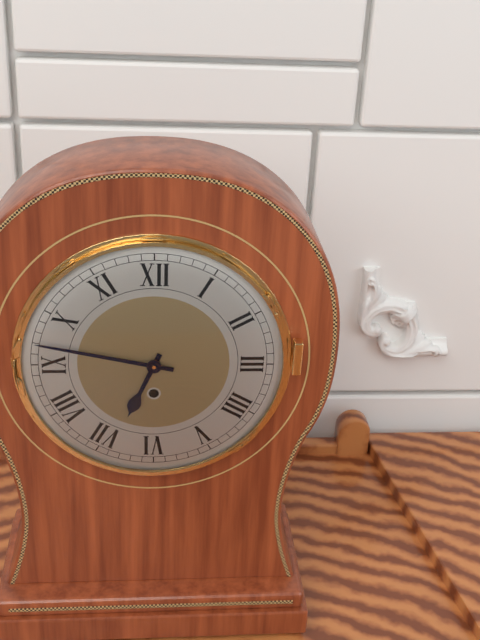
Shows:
{"hour": 6, "minute": 47}
